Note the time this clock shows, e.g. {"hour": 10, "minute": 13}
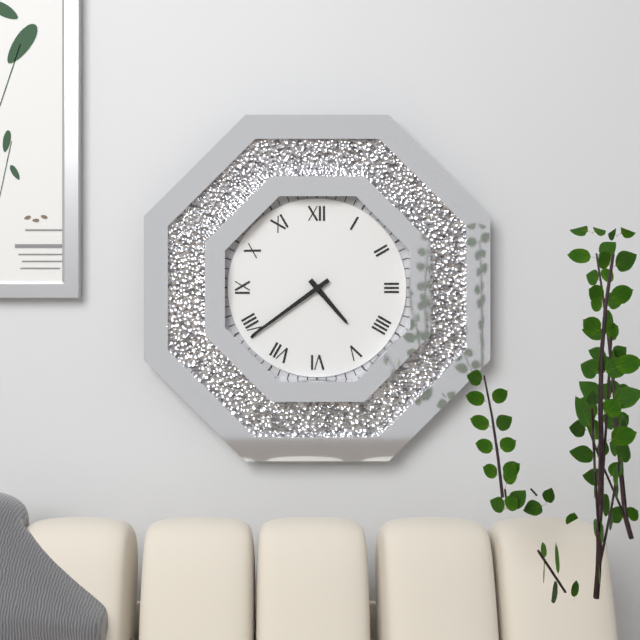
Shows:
{"hour": 4, "minute": 39}
